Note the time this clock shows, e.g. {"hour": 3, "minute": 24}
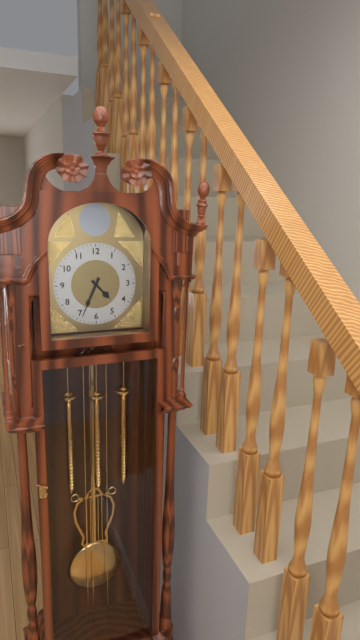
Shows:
{"hour": 4, "minute": 34}
